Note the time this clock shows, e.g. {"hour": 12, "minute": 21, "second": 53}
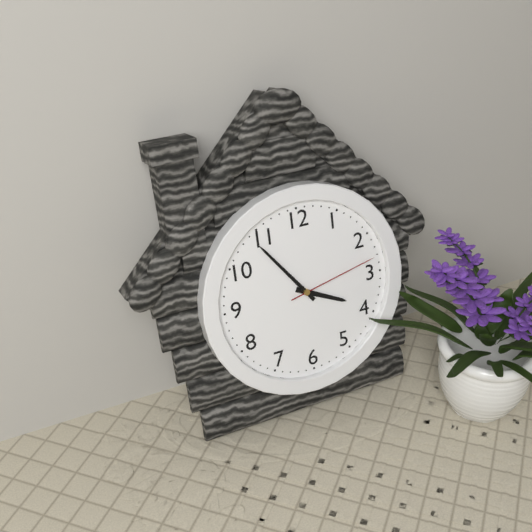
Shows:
{"hour": 3, "minute": 54, "second": 13}
